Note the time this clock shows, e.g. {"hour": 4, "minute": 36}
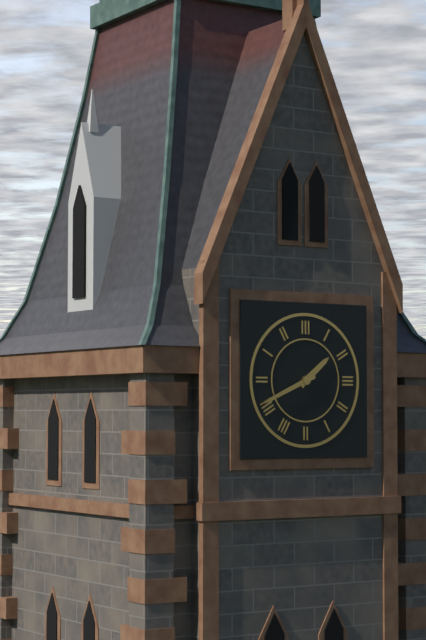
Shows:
{"hour": 1, "minute": 41}
